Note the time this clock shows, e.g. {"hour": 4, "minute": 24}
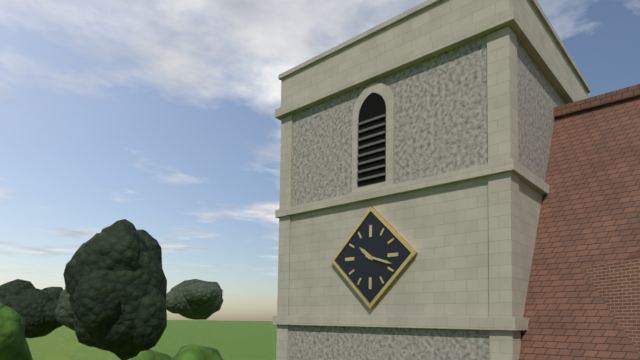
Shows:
{"hour": 10, "minute": 18}
